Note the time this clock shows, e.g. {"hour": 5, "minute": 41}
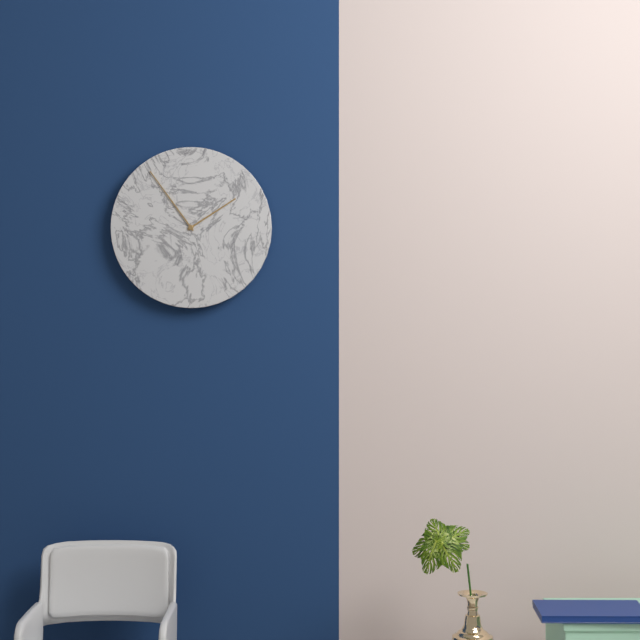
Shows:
{"hour": 1, "minute": 54}
